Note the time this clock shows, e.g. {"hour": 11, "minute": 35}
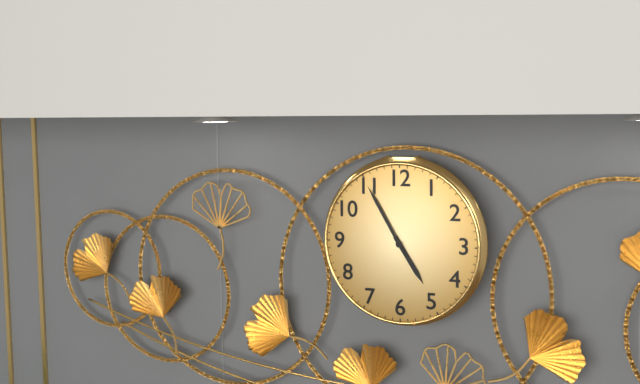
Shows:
{"hour": 4, "minute": 55}
